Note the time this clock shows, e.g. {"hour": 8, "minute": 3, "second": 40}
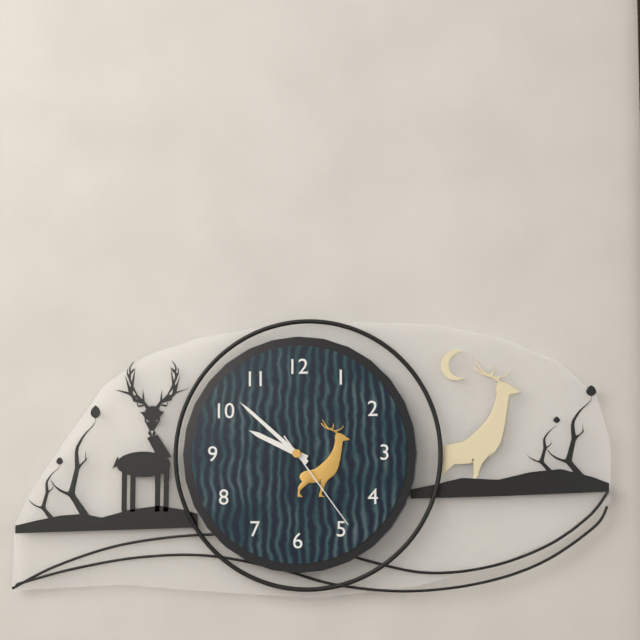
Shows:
{"hour": 9, "minute": 52, "second": 24}
